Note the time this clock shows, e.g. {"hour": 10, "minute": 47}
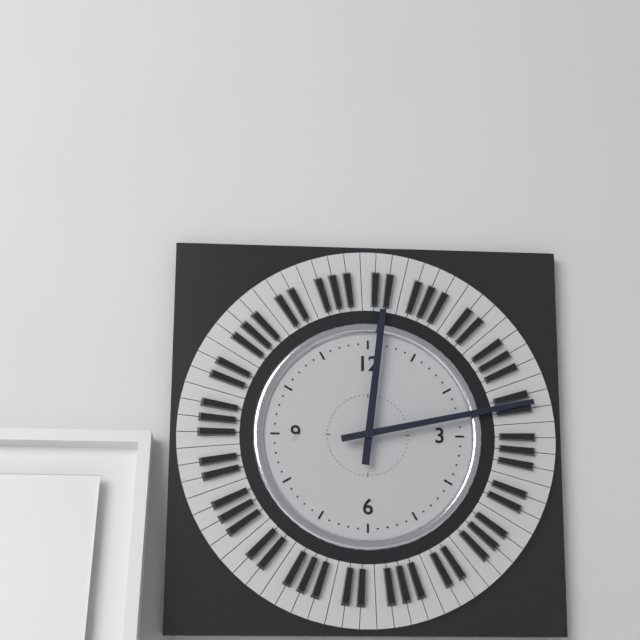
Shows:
{"hour": 12, "minute": 13}
